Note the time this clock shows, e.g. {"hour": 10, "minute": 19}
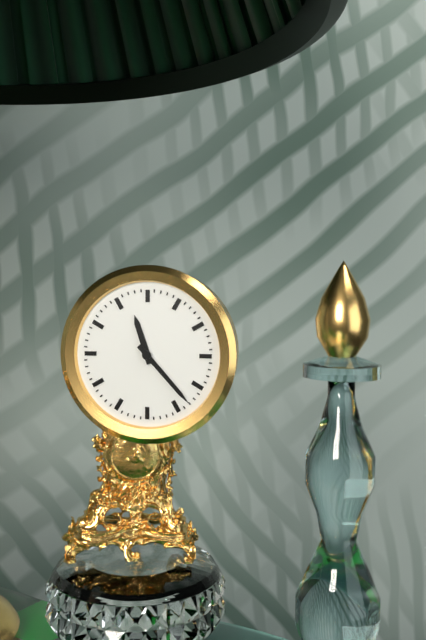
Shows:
{"hour": 11, "minute": 23}
